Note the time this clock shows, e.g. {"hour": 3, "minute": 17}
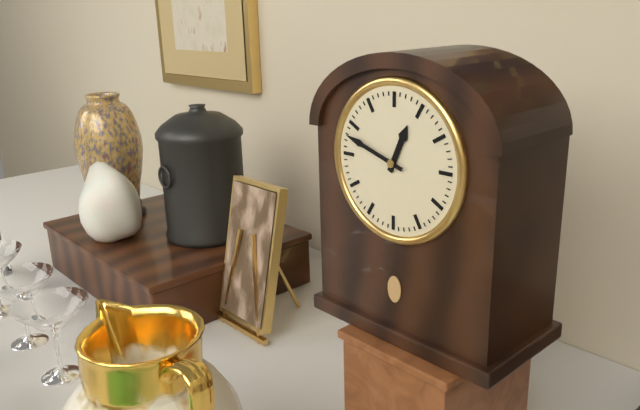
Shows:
{"hour": 12, "minute": 48}
